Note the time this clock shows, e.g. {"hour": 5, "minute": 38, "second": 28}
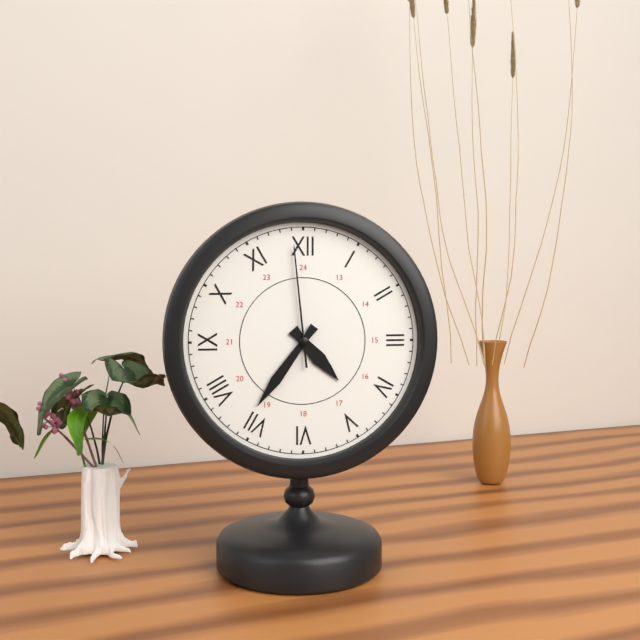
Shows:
{"hour": 4, "minute": 36, "second": 59}
